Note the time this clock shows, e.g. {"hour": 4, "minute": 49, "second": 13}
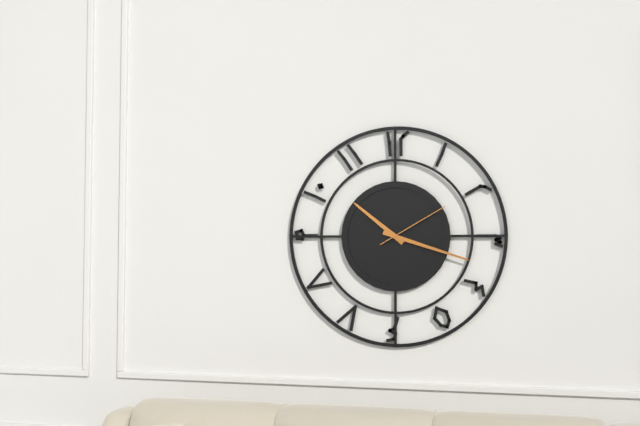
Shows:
{"hour": 10, "minute": 18, "second": 10}
